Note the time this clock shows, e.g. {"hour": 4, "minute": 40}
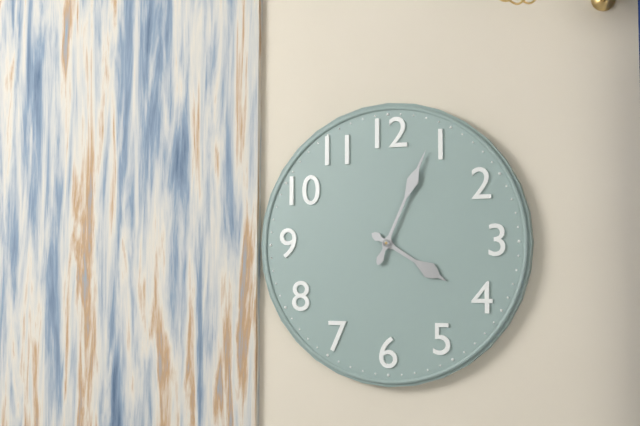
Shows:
{"hour": 4, "minute": 4}
